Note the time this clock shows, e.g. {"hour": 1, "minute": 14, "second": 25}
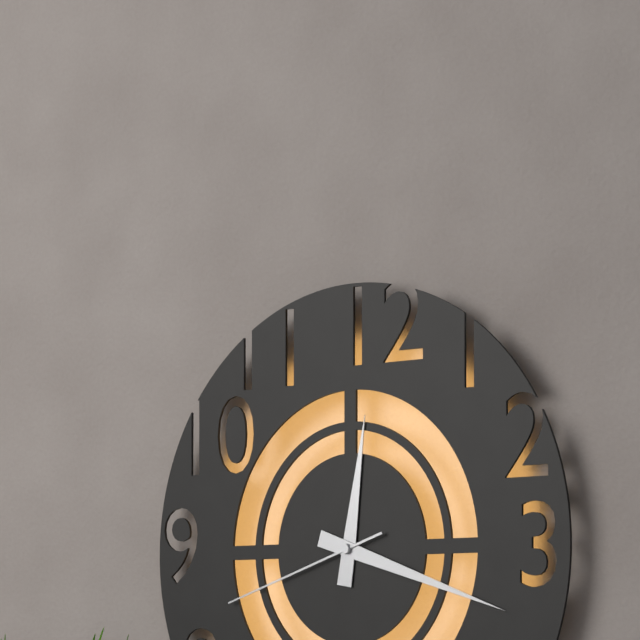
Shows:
{"hour": 12, "minute": 18, "second": 42}
